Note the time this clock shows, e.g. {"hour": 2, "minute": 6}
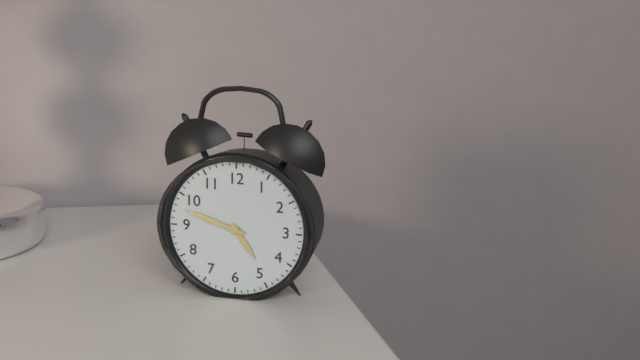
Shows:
{"hour": 4, "minute": 48}
